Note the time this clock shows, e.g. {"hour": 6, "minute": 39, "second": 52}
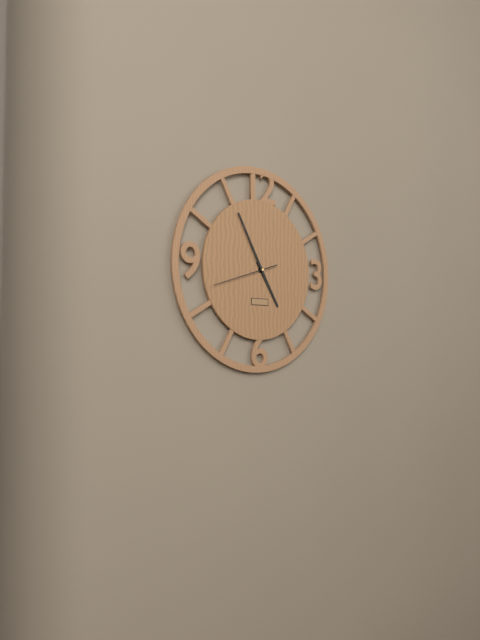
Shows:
{"hour": 4, "minute": 55, "second": 42}
